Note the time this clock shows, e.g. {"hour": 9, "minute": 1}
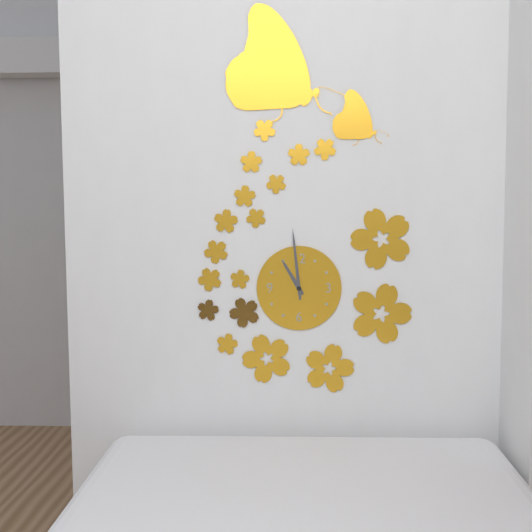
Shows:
{"hour": 10, "minute": 59}
